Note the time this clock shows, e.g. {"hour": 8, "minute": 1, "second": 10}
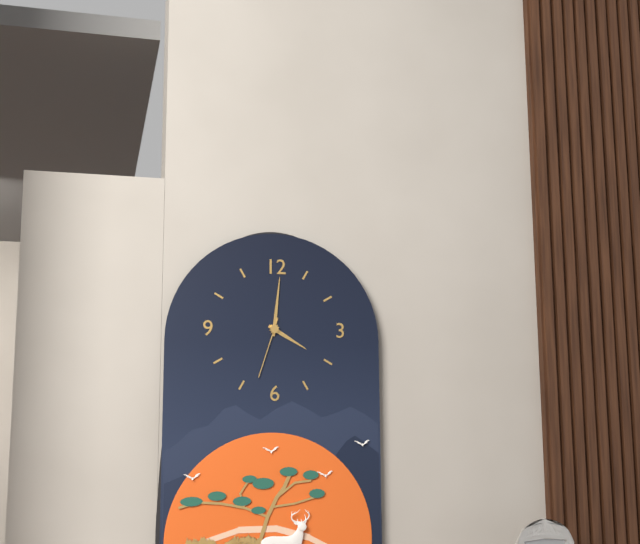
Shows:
{"hour": 4, "minute": 1, "second": 33}
